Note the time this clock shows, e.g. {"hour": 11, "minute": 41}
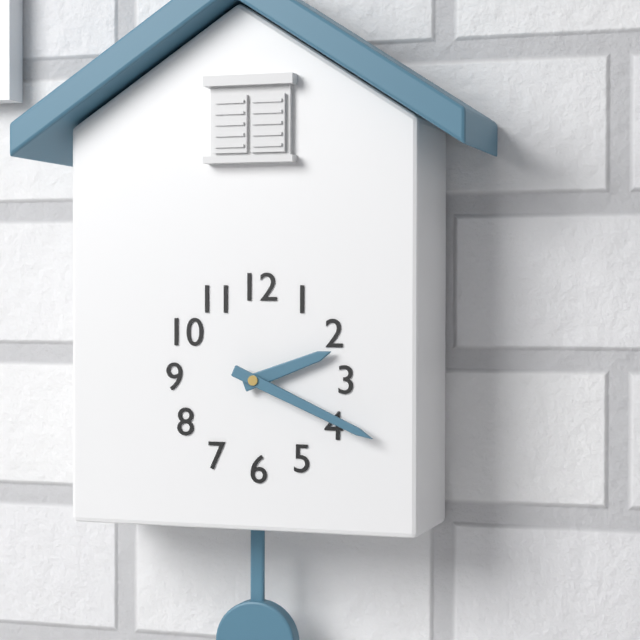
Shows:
{"hour": 2, "minute": 19}
